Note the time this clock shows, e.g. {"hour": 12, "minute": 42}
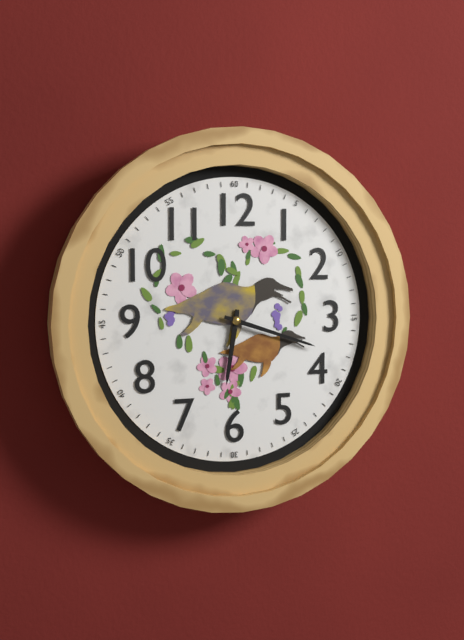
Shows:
{"hour": 6, "minute": 18}
